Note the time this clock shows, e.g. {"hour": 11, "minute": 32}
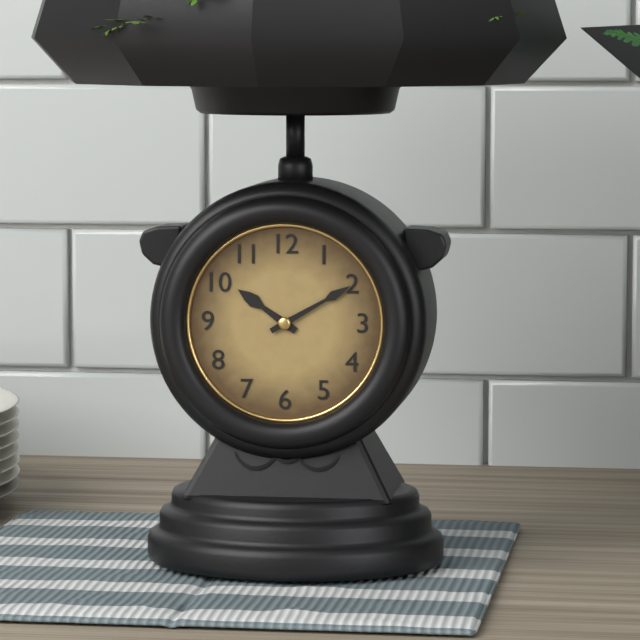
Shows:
{"hour": 10, "minute": 10}
